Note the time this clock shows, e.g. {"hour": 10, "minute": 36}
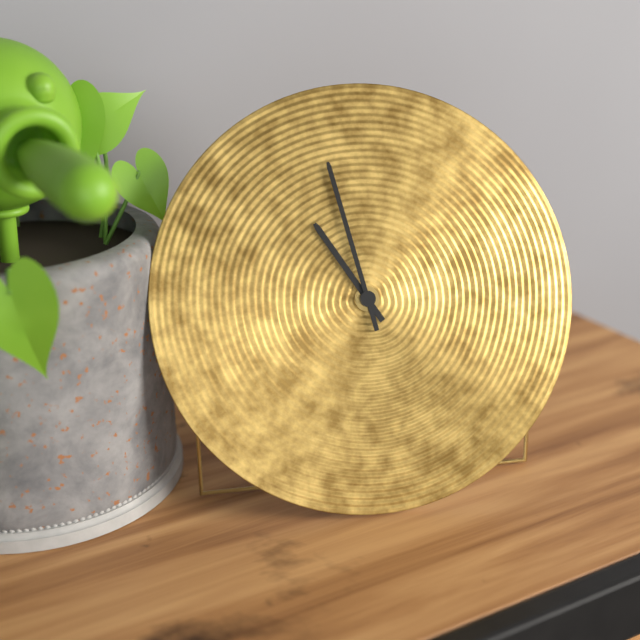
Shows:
{"hour": 10, "minute": 58}
